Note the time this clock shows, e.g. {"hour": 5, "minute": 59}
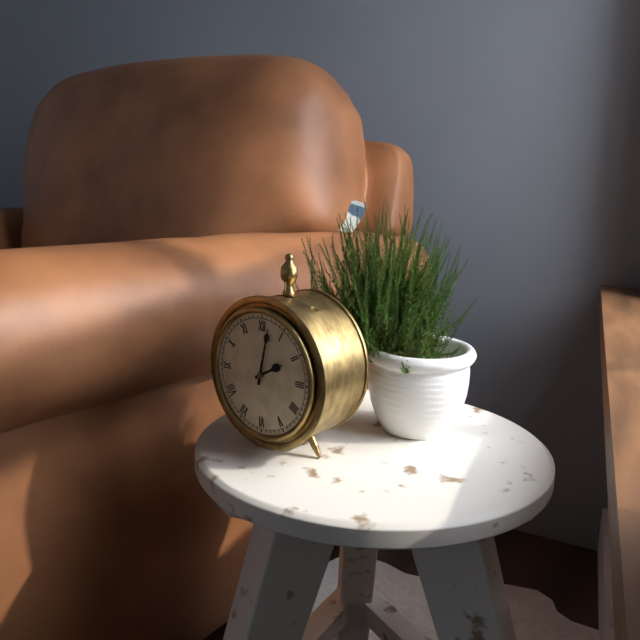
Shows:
{"hour": 2, "minute": 2}
